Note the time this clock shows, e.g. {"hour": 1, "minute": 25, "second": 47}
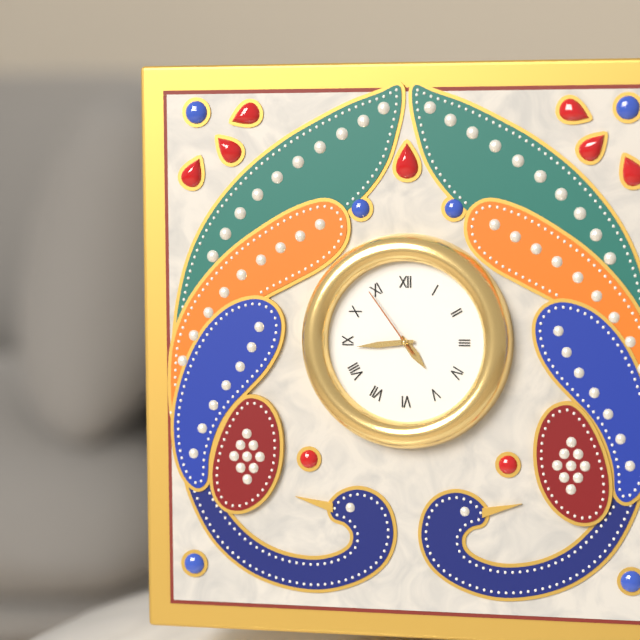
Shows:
{"hour": 4, "minute": 44, "second": 54}
